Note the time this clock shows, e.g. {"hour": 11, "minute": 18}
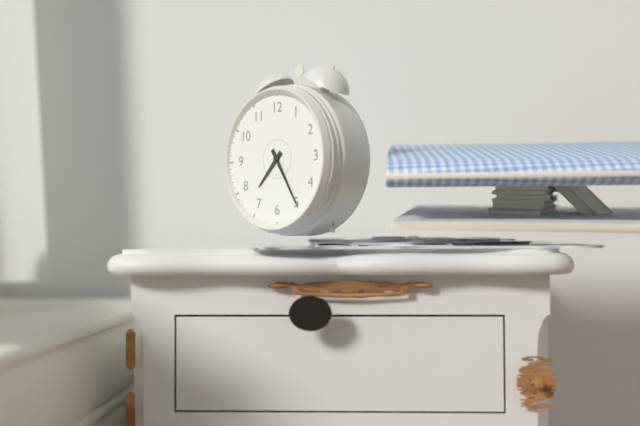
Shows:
{"hour": 7, "minute": 25}
